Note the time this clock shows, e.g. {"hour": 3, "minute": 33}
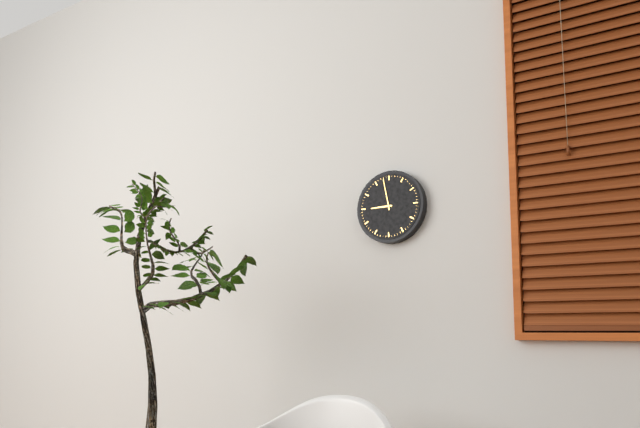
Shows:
{"hour": 8, "minute": 58}
